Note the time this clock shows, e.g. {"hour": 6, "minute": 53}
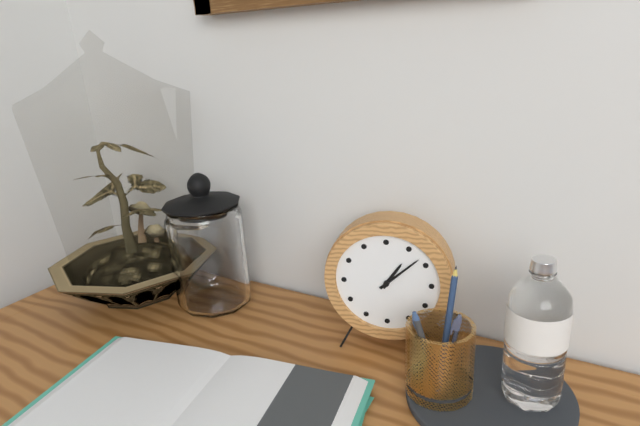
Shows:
{"hour": 1, "minute": 8}
